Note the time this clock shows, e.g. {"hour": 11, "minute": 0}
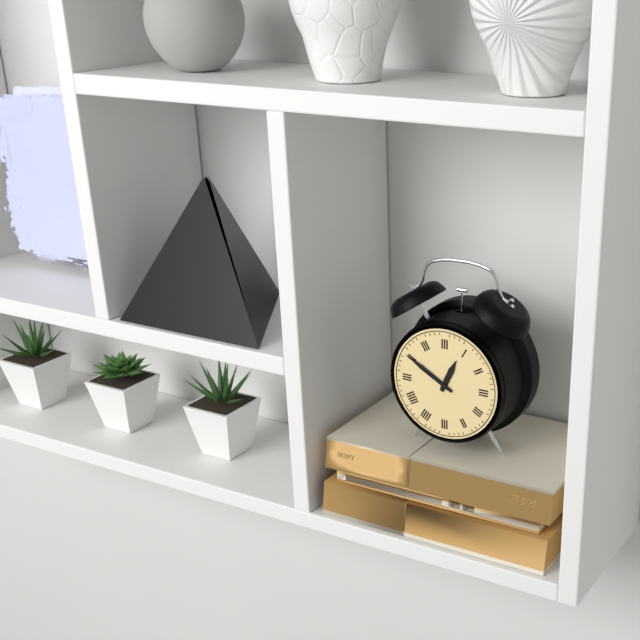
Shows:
{"hour": 12, "minute": 50}
